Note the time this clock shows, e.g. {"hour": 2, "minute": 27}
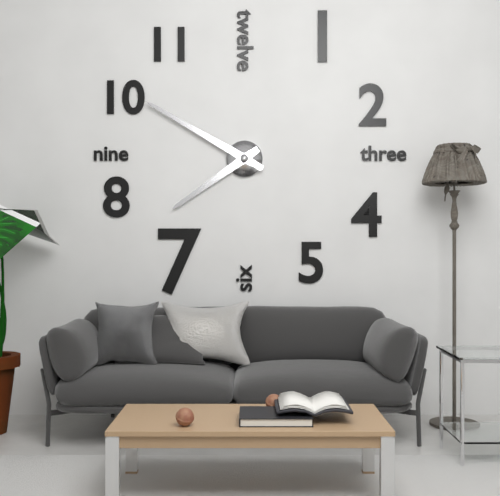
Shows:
{"hour": 7, "minute": 50}
